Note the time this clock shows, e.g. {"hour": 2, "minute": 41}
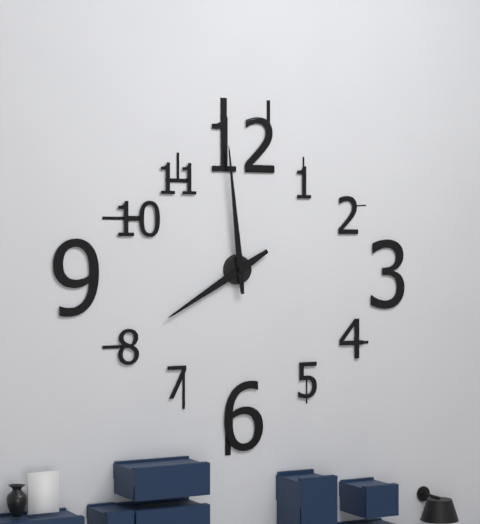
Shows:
{"hour": 7, "minute": 59}
